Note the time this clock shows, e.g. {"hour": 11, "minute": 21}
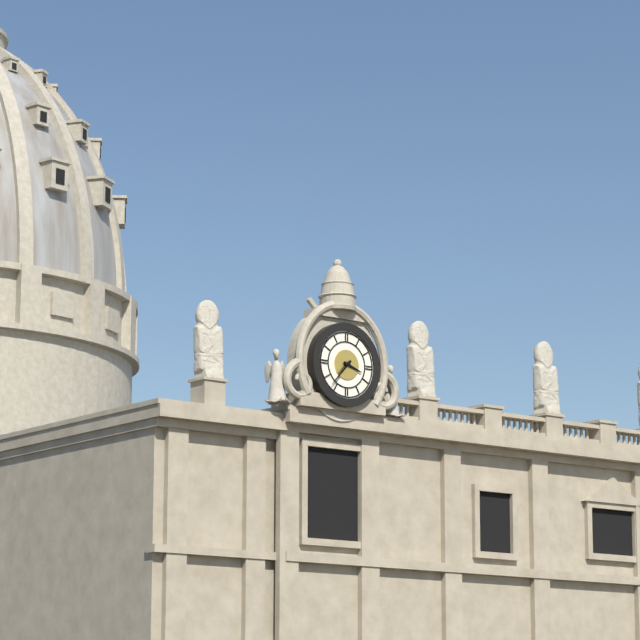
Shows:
{"hour": 3, "minute": 37}
